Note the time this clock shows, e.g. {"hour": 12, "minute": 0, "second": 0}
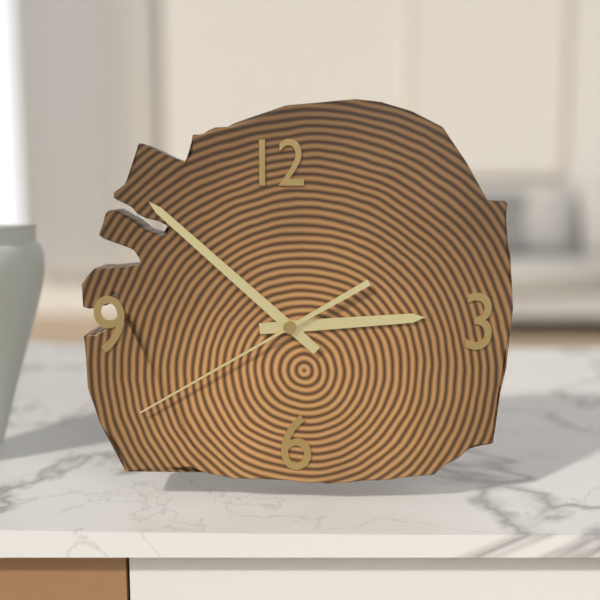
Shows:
{"hour": 2, "minute": 52, "second": 40}
